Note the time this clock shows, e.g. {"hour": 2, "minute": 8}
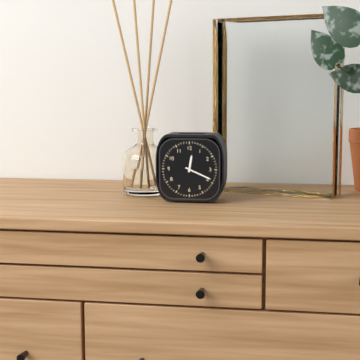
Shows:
{"hour": 12, "minute": 19}
